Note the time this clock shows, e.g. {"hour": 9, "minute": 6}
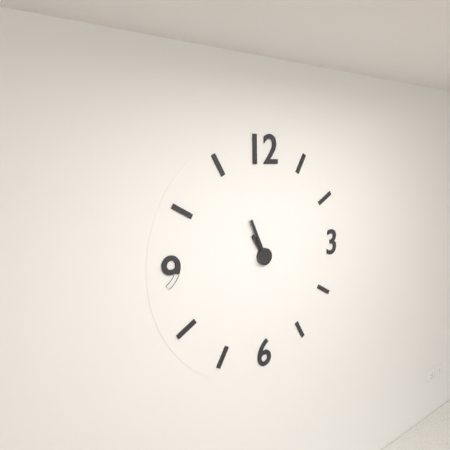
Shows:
{"hour": 10, "minute": 56}
